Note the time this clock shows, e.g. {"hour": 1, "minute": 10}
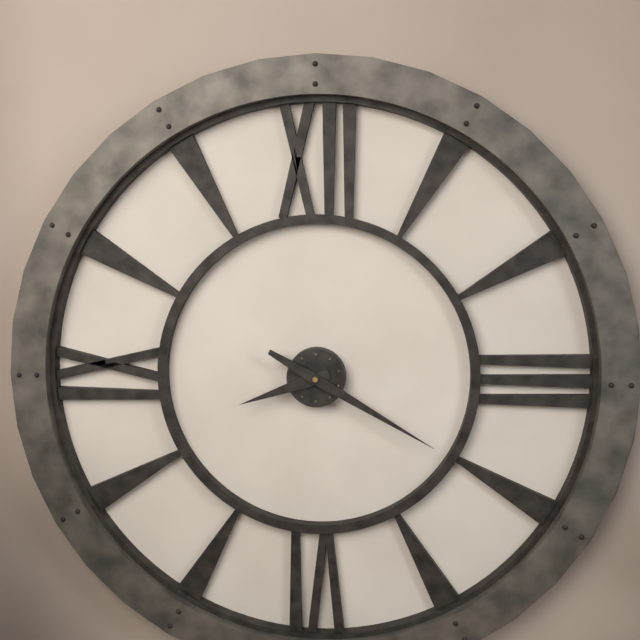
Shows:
{"hour": 8, "minute": 20}
